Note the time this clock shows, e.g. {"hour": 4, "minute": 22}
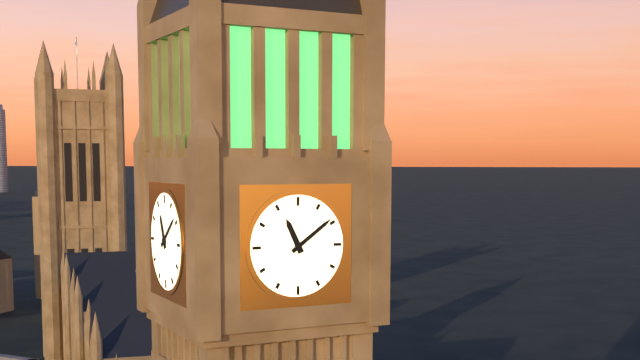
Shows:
{"hour": 11, "minute": 9}
